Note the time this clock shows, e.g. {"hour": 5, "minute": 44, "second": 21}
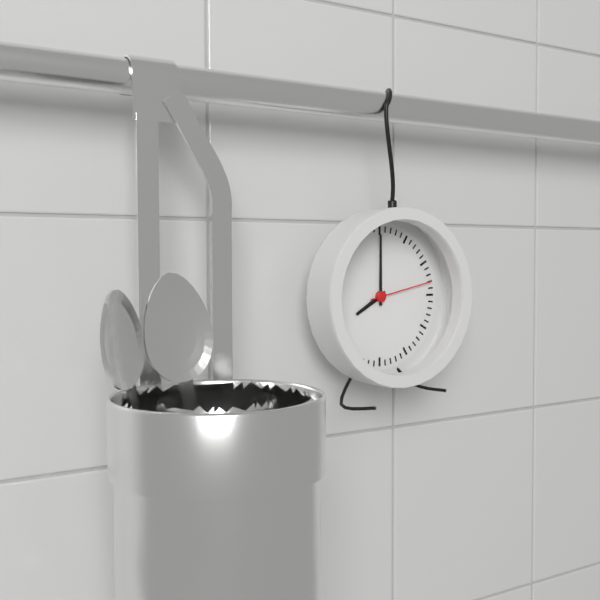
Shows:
{"hour": 8, "minute": 0, "second": 13}
